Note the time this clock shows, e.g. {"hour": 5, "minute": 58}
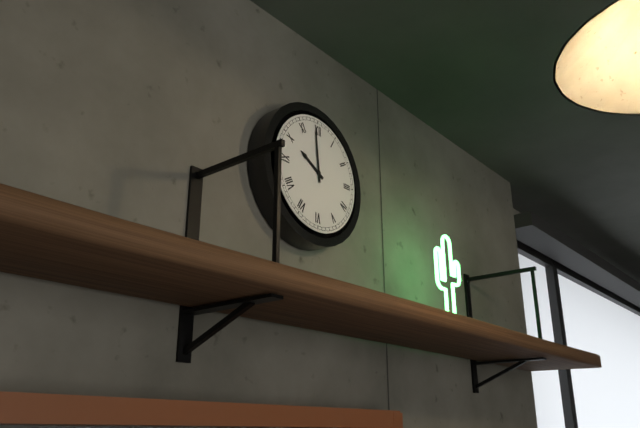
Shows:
{"hour": 9, "minute": 59}
